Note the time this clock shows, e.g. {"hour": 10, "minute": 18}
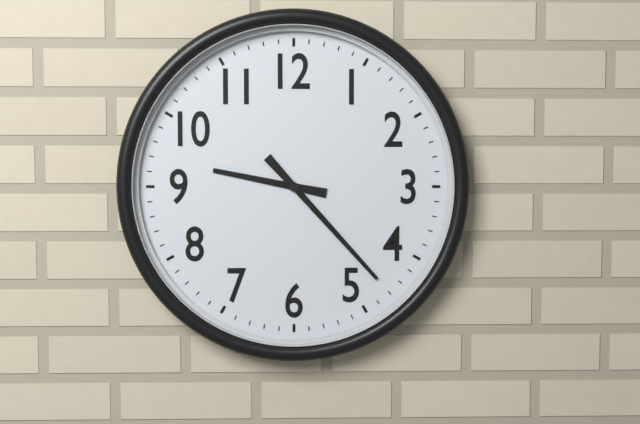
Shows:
{"hour": 9, "minute": 23}
